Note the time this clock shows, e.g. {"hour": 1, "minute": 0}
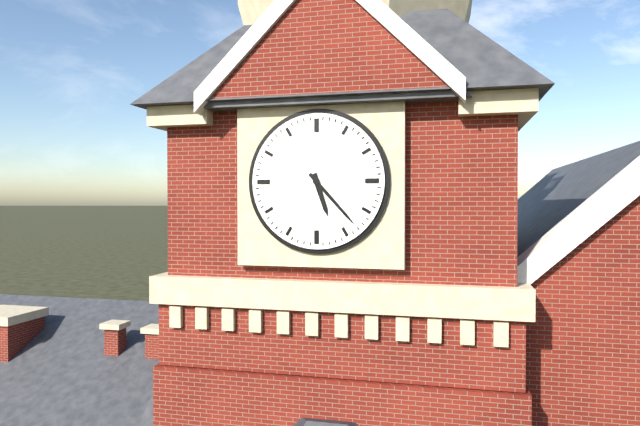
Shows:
{"hour": 5, "minute": 23}
